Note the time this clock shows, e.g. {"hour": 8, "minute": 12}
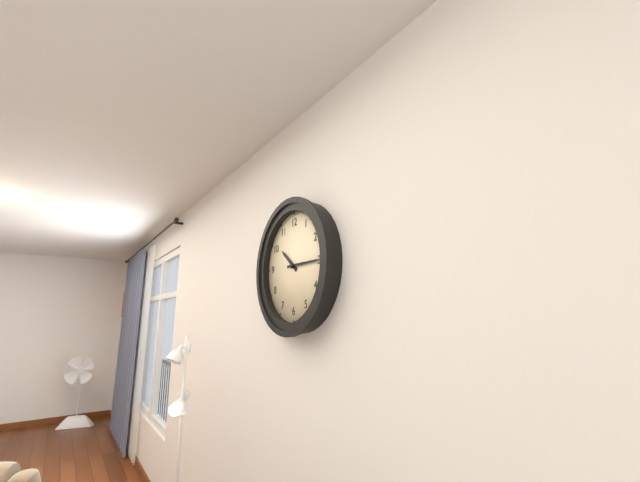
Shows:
{"hour": 10, "minute": 15}
